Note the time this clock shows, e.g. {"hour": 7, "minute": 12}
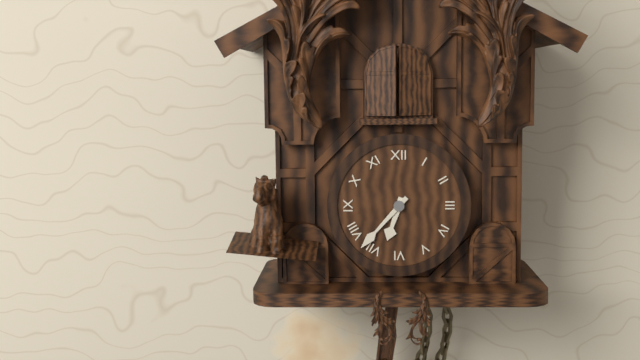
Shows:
{"hour": 6, "minute": 37}
